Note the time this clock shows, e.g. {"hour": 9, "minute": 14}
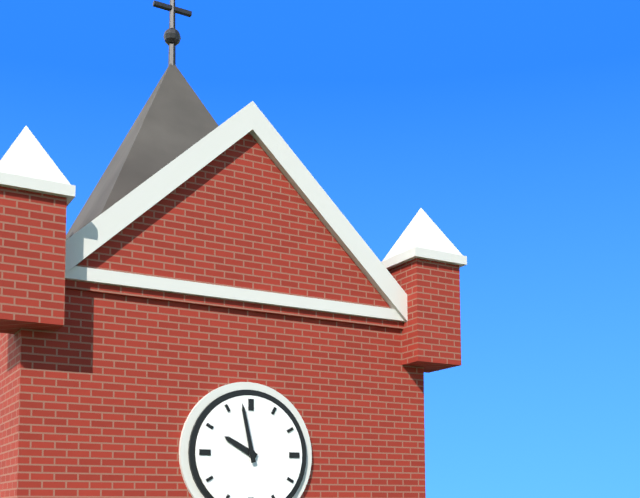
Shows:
{"hour": 9, "minute": 58}
